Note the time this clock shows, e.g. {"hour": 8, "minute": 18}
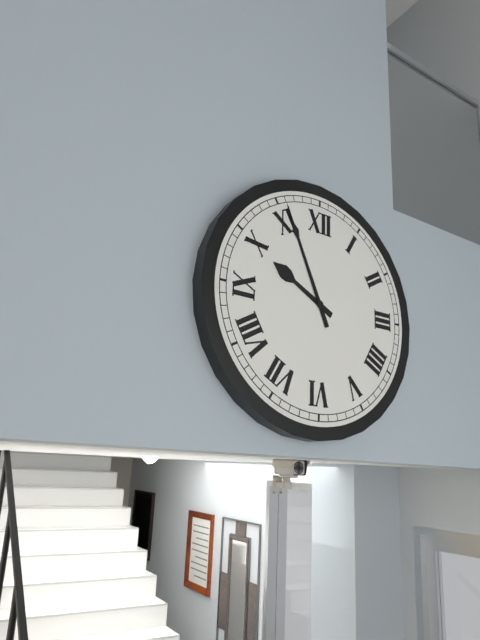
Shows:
{"hour": 9, "minute": 56}
